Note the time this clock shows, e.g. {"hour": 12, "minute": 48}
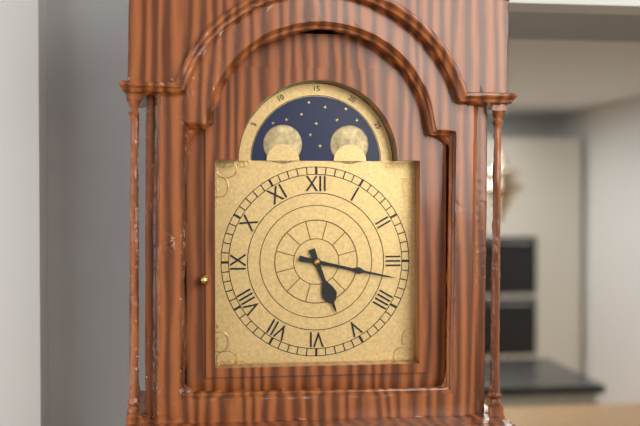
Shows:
{"hour": 5, "minute": 17}
